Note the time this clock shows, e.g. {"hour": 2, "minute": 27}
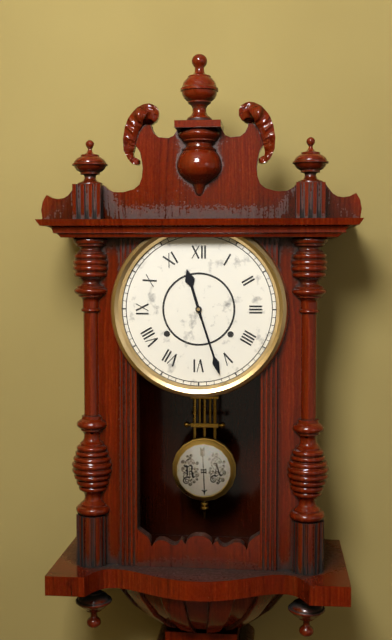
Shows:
{"hour": 11, "minute": 27}
